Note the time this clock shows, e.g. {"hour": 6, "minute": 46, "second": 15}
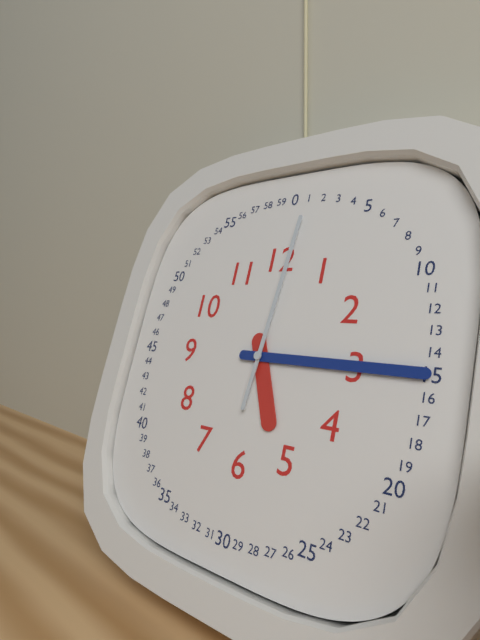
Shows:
{"hour": 5, "minute": 15, "second": 1}
